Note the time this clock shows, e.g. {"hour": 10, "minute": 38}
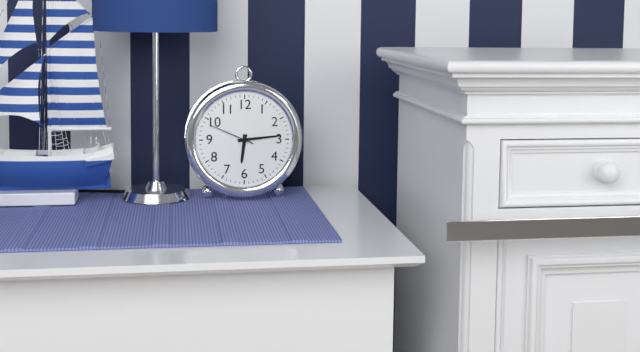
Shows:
{"hour": 6, "minute": 14}
